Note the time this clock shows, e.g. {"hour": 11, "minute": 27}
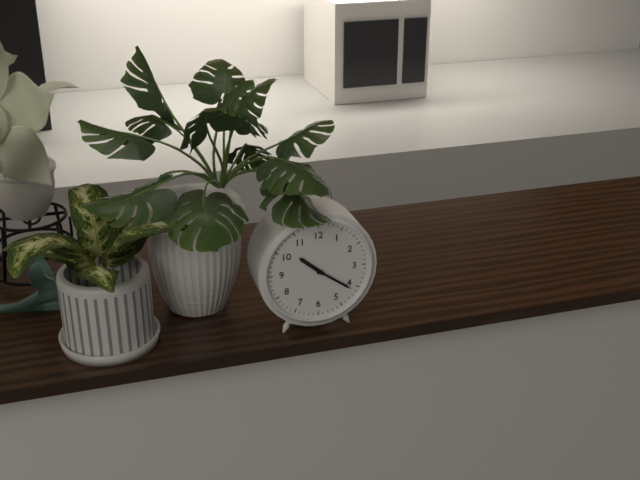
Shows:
{"hour": 10, "minute": 21}
